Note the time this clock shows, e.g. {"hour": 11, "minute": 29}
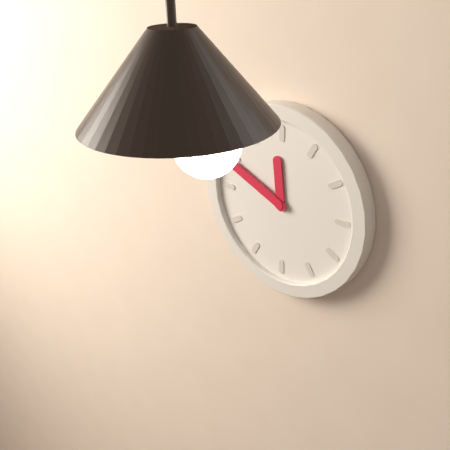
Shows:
{"hour": 11, "minute": 49}
